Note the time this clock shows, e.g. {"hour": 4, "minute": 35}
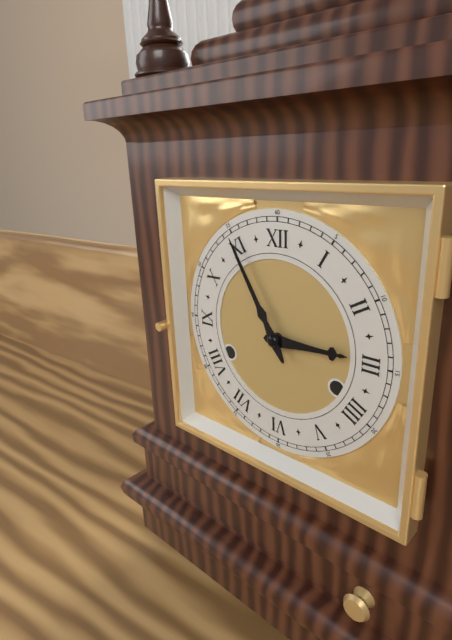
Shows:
{"hour": 2, "minute": 55}
